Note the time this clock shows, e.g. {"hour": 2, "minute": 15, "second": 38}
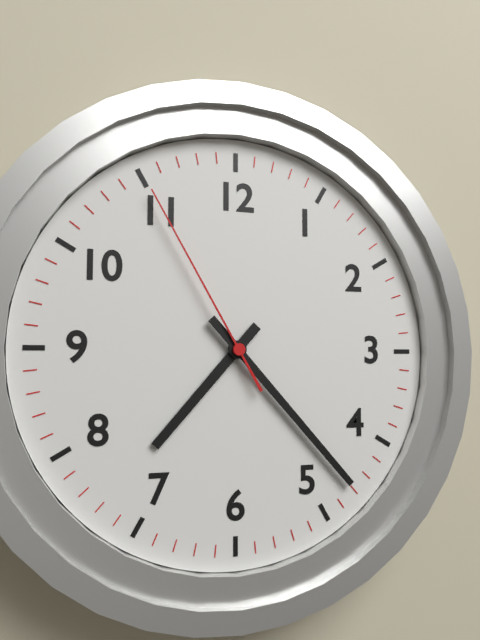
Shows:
{"hour": 7, "minute": 23, "second": 55}
